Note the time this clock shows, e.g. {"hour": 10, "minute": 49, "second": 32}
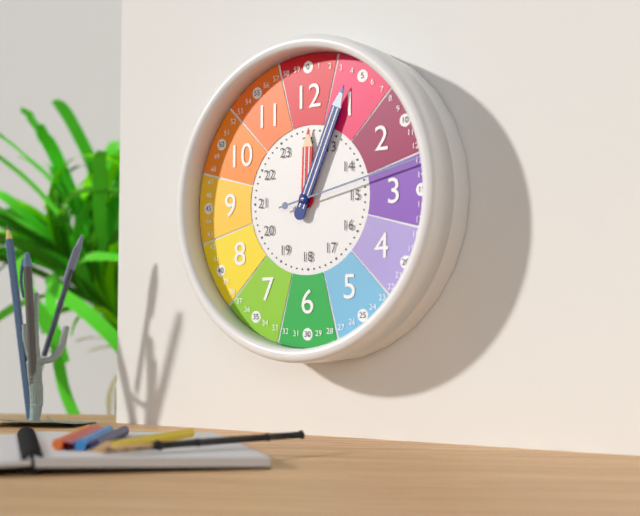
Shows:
{"hour": 12, "minute": 4, "second": 13}
